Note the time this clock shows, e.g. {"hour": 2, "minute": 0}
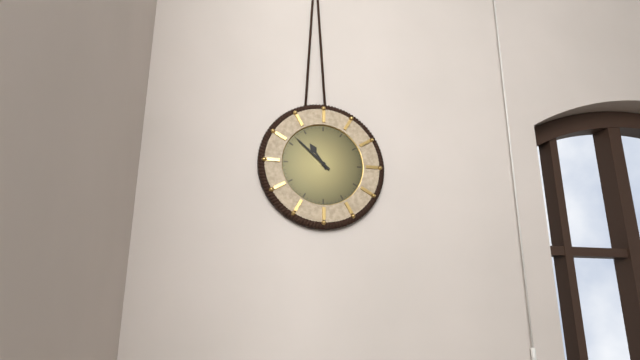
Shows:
{"hour": 10, "minute": 52}
